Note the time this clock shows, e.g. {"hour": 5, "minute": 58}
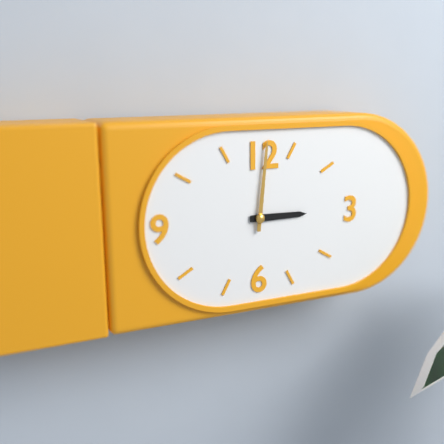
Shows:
{"hour": 3, "minute": 1}
